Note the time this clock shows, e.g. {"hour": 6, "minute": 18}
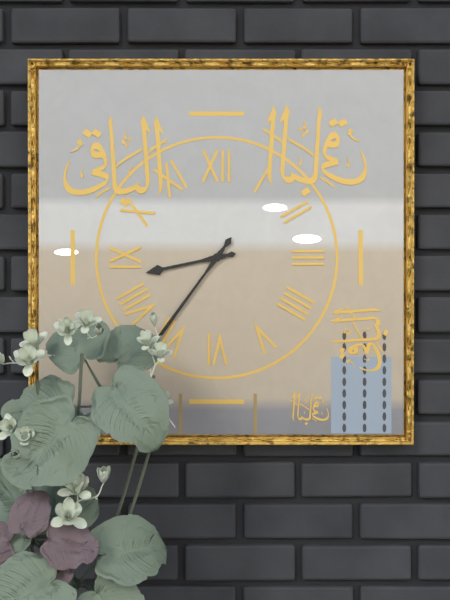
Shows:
{"hour": 8, "minute": 36}
